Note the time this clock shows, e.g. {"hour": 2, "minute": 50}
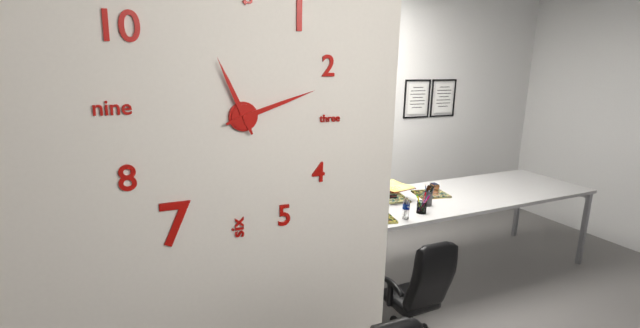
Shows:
{"hour": 11, "minute": 12}
